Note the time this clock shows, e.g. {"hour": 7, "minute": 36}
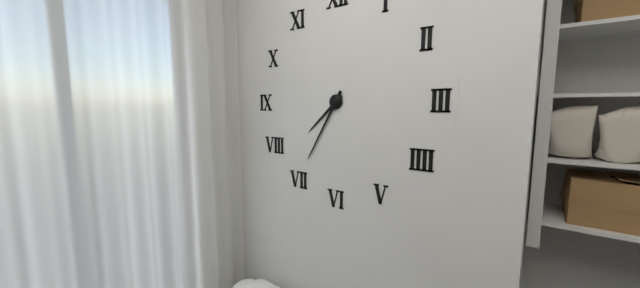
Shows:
{"hour": 7, "minute": 35}
